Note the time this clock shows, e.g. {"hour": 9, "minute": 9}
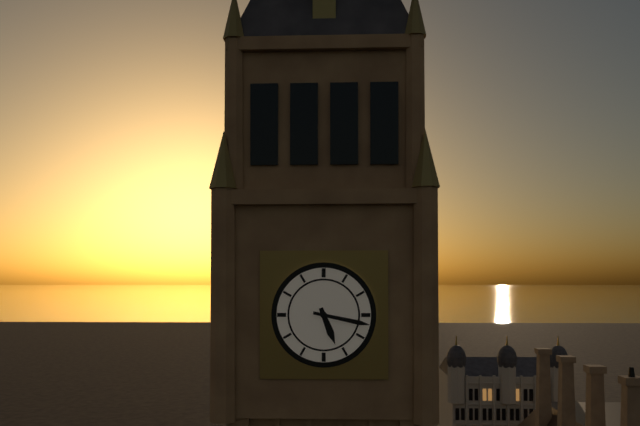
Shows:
{"hour": 5, "minute": 17}
